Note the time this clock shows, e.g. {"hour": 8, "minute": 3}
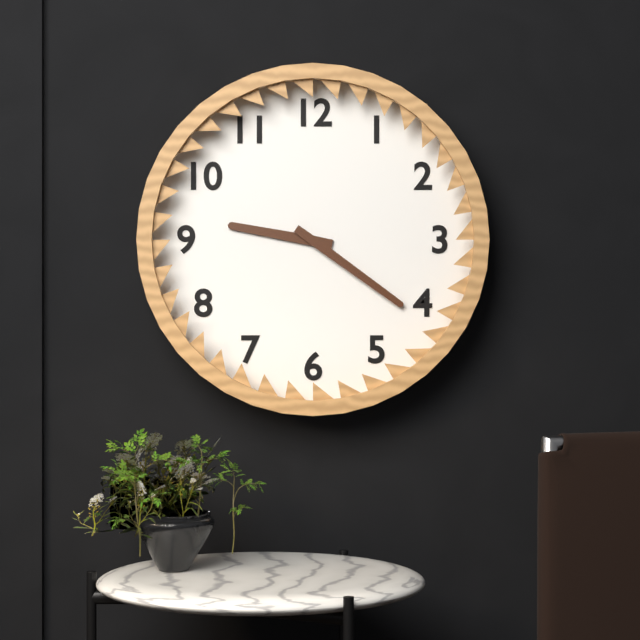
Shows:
{"hour": 9, "minute": 21}
